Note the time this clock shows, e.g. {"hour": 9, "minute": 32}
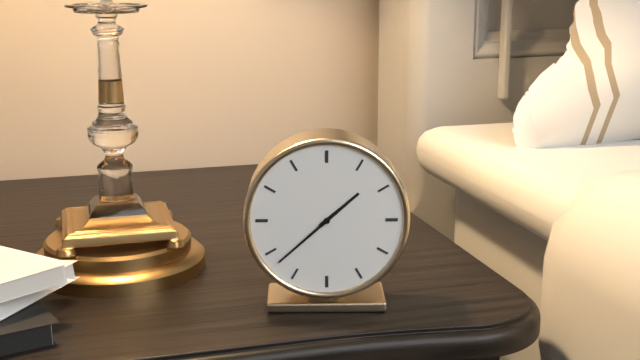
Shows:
{"hour": 1, "minute": 38}
